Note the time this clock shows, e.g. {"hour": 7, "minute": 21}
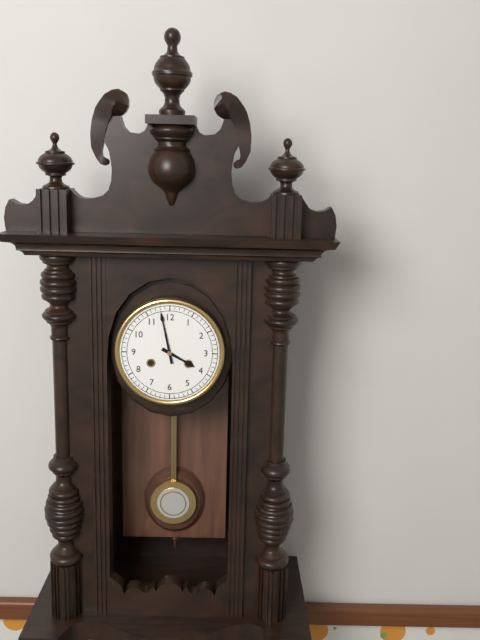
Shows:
{"hour": 3, "minute": 58}
